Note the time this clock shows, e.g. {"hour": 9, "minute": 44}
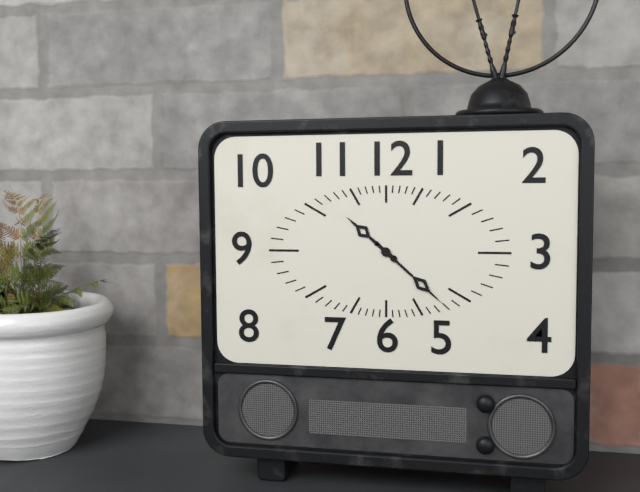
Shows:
{"hour": 10, "minute": 22}
